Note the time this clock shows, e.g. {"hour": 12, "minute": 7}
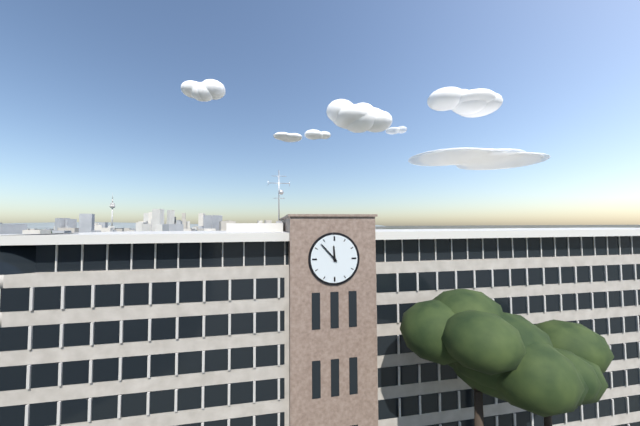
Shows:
{"hour": 11, "minute": 53}
